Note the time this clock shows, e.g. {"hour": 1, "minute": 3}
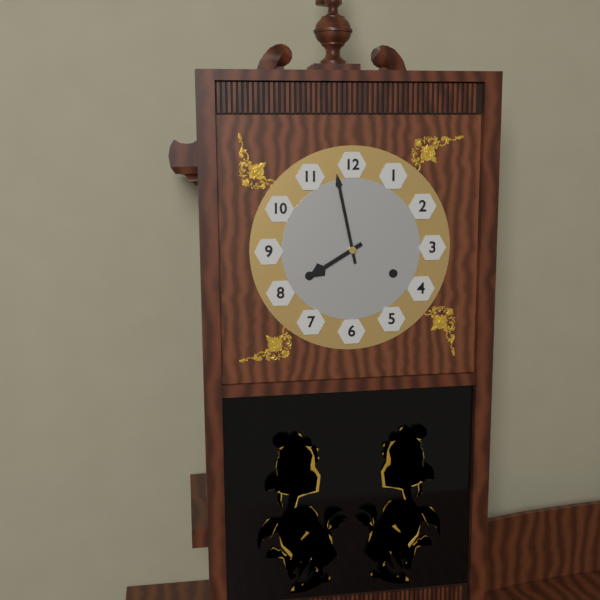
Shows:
{"hour": 7, "minute": 58}
